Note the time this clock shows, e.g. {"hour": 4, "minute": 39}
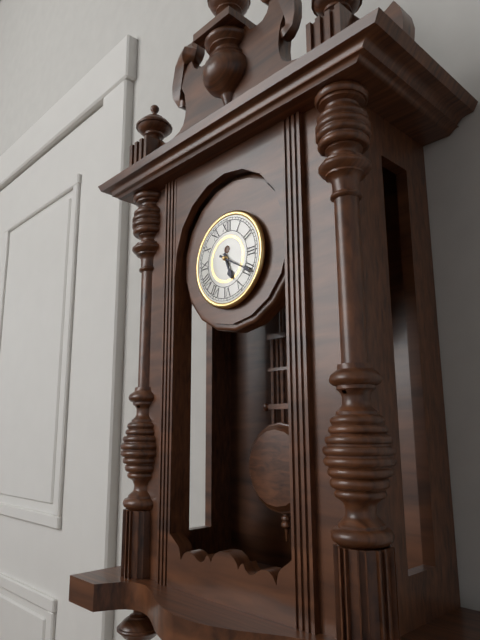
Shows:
{"hour": 5, "minute": 20}
